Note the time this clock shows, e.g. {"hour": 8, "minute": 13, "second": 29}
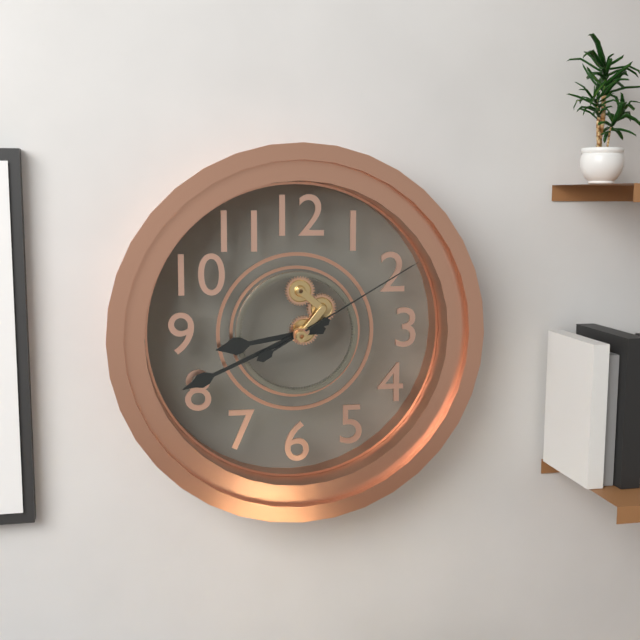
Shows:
{"hour": 8, "minute": 41, "second": 10}
